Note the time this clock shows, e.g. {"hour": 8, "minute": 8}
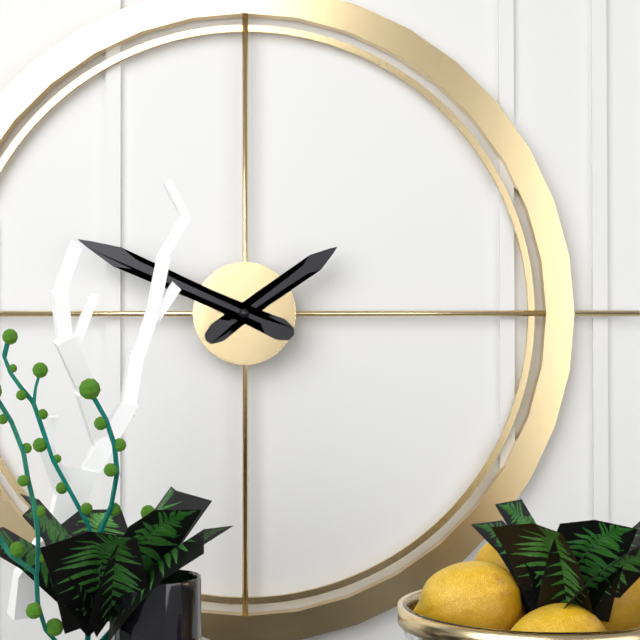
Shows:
{"hour": 1, "minute": 49}
